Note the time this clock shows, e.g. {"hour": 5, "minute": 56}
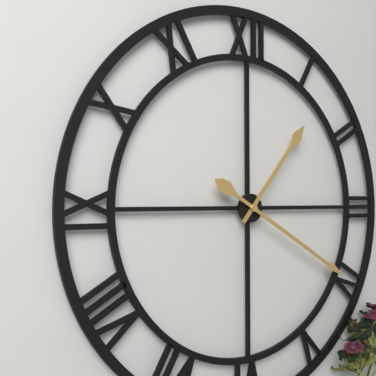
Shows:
{"hour": 1, "minute": 20}
